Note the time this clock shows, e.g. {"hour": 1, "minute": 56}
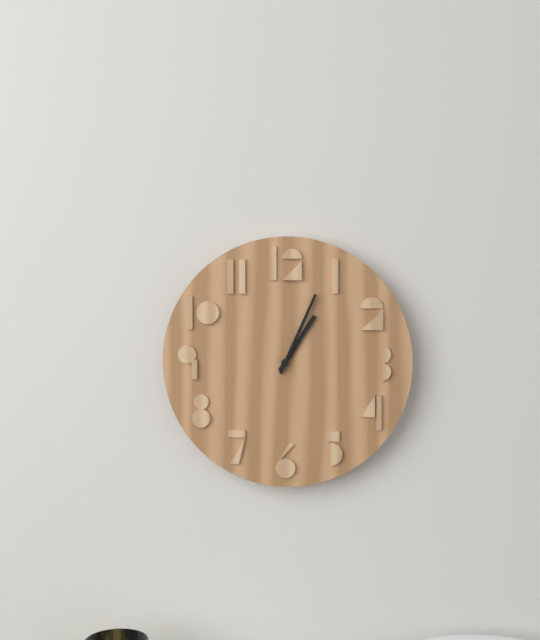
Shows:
{"hour": 1, "minute": 4}
